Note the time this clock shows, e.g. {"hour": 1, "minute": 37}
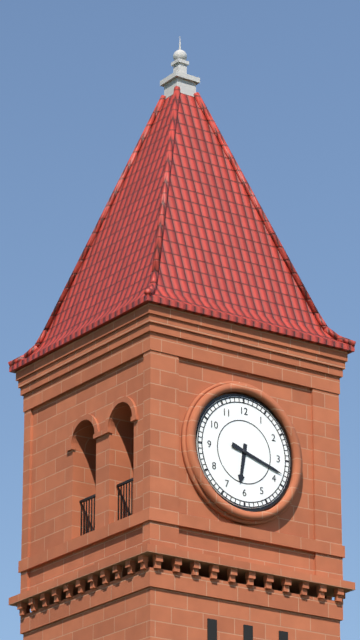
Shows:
{"hour": 6, "minute": 18}
